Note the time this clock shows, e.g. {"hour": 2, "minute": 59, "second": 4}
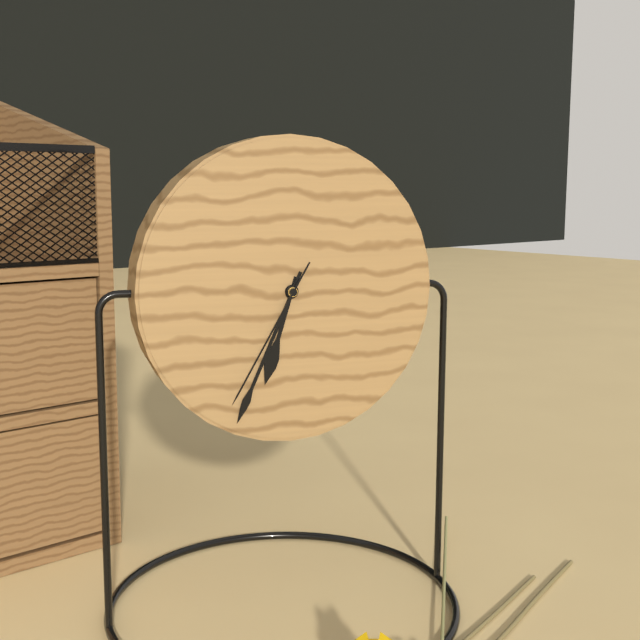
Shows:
{"hour": 6, "minute": 34, "second": 35}
